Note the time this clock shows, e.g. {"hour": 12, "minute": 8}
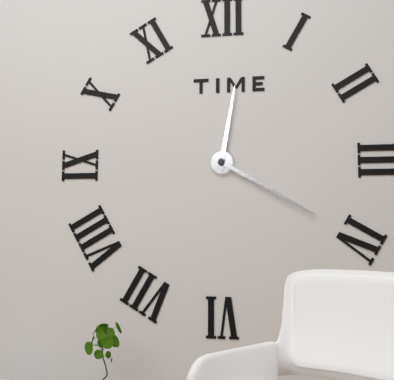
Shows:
{"hour": 12, "minute": 20}
